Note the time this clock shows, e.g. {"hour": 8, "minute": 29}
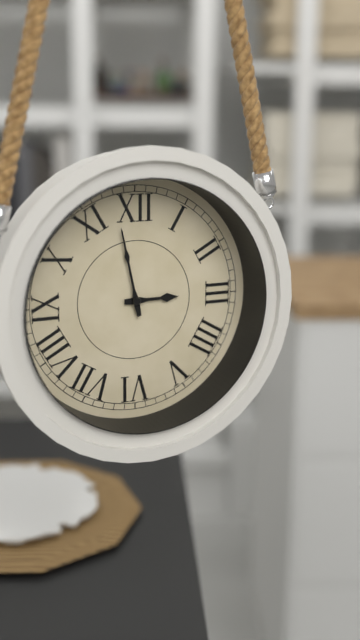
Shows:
{"hour": 2, "minute": 58}
